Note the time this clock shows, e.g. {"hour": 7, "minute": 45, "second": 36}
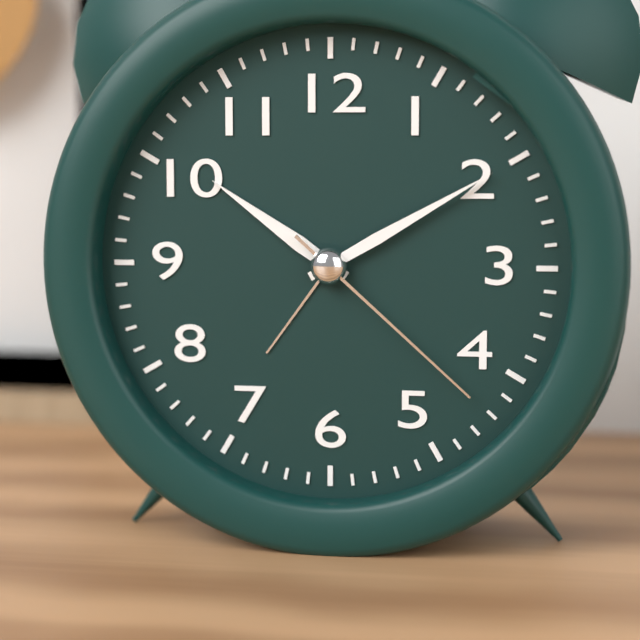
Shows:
{"hour": 10, "minute": 10, "second": 22}
